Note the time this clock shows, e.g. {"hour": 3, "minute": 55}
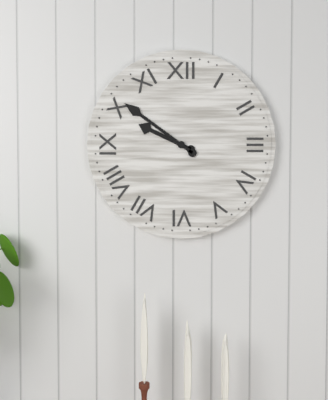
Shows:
{"hour": 9, "minute": 51}
